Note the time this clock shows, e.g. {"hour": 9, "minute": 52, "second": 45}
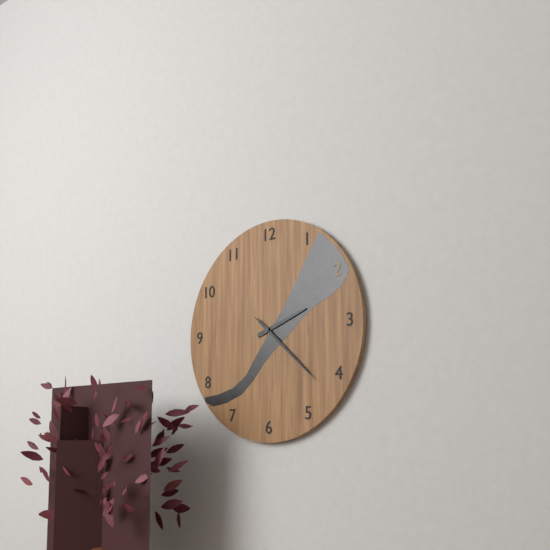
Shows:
{"hour": 2, "minute": 22, "second": 22}
